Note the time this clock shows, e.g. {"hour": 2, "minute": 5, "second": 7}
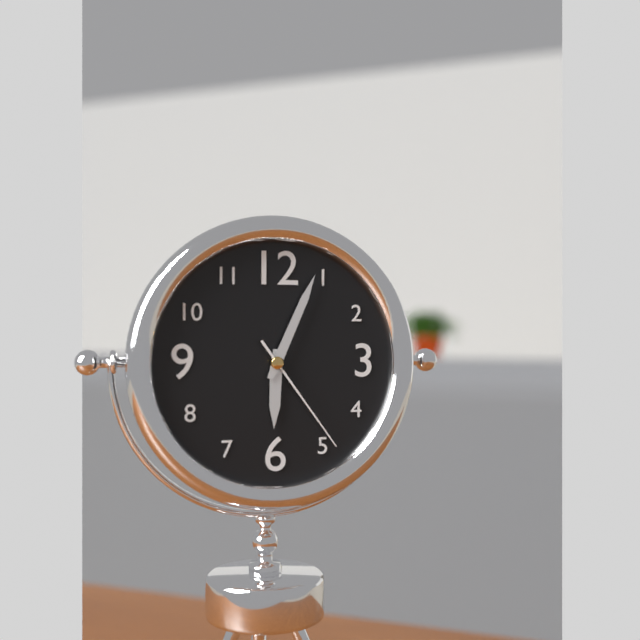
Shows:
{"hour": 6, "minute": 4, "second": 24}
